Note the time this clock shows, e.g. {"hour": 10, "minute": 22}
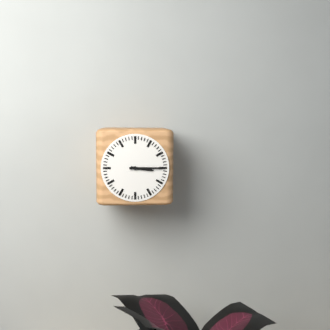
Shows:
{"hour": 3, "minute": 15}
